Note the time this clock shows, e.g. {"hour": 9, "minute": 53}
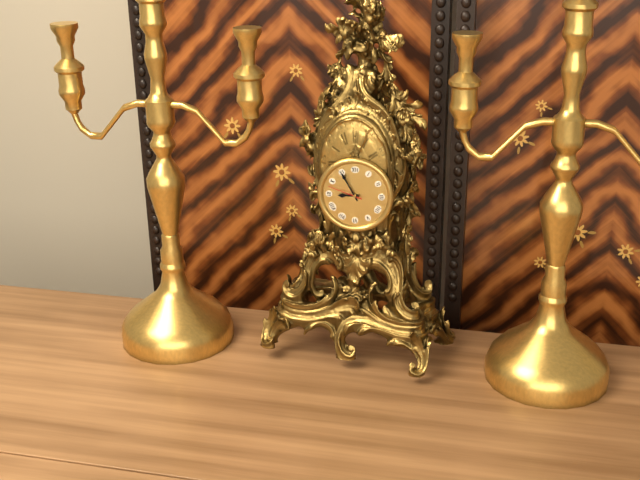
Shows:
{"hour": 8, "minute": 55}
